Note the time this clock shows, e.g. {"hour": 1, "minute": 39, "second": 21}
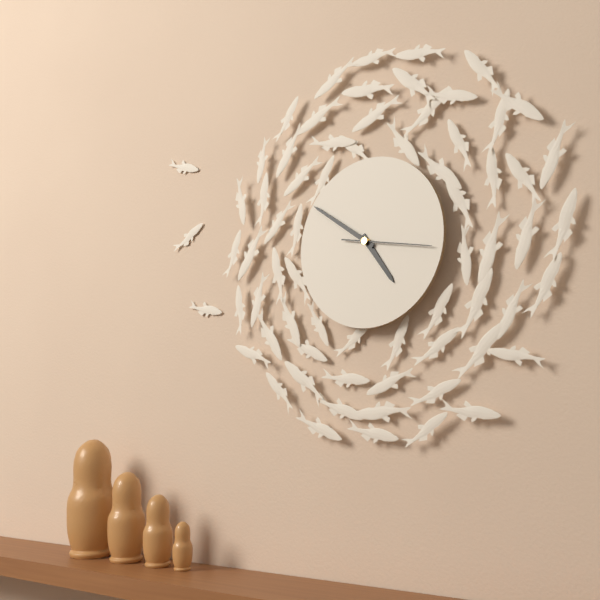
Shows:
{"hour": 4, "minute": 51, "second": 17}
